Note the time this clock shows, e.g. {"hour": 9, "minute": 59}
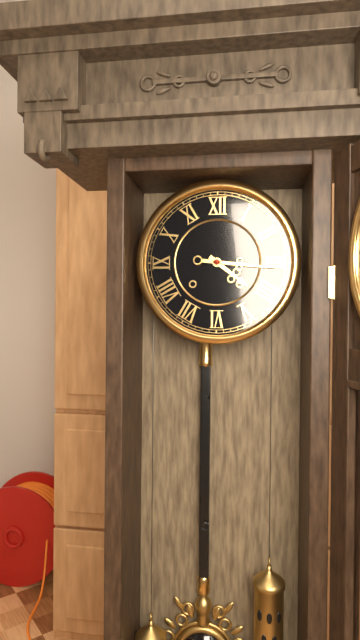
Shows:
{"hour": 4, "minute": 16}
